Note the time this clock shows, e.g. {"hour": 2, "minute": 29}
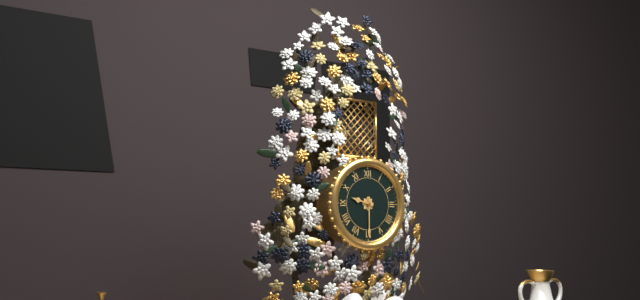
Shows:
{"hour": 9, "minute": 30}
